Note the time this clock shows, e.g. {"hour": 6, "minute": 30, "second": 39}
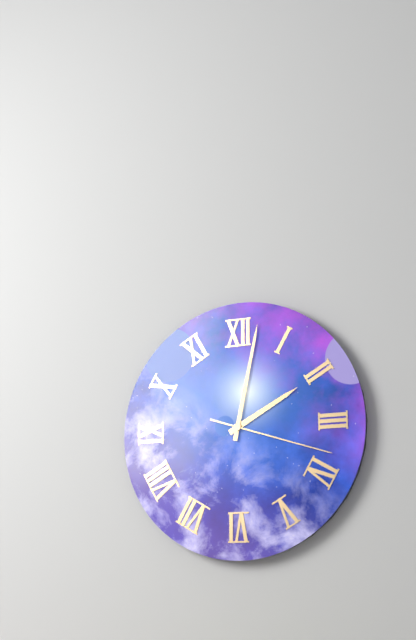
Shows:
{"hour": 2, "minute": 2, "second": 18}
